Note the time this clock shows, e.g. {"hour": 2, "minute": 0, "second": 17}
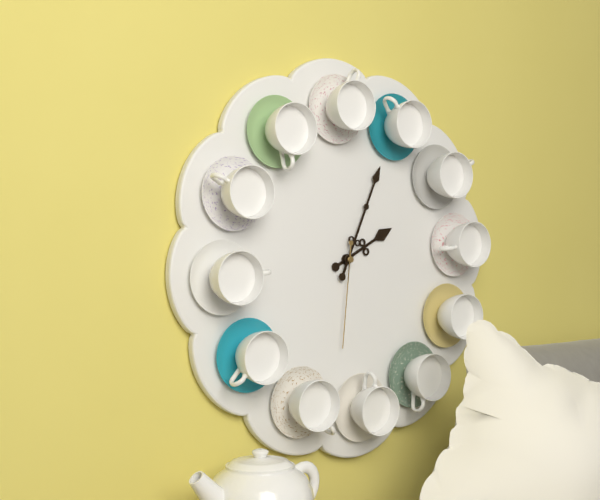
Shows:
{"hour": 2, "minute": 4, "second": 31}
